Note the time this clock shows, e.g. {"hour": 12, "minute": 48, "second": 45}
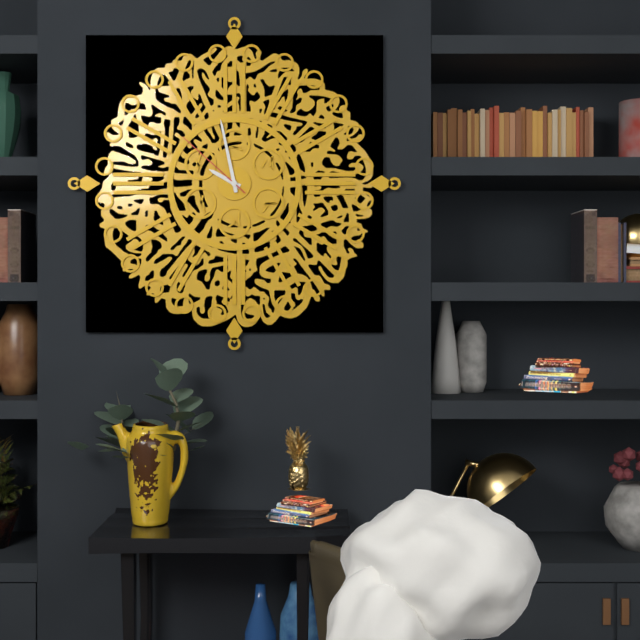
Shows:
{"hour": 9, "minute": 58, "second": 52}
